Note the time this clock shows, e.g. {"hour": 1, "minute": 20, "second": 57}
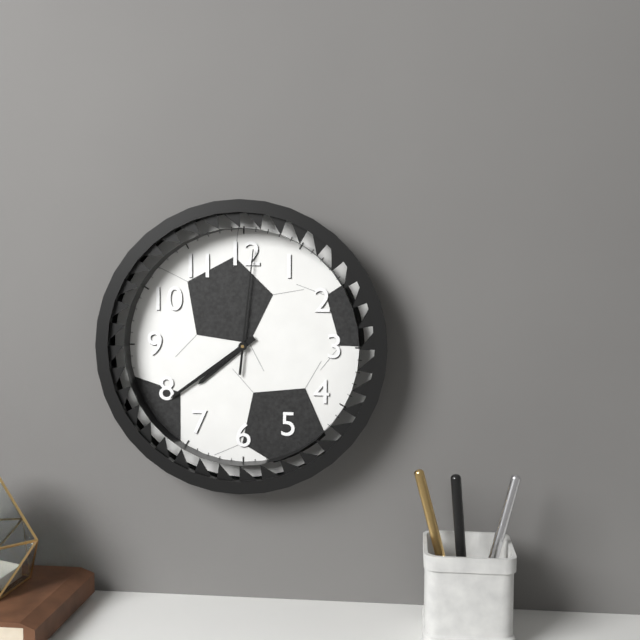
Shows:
{"hour": 7, "minute": 39, "second": 1}
